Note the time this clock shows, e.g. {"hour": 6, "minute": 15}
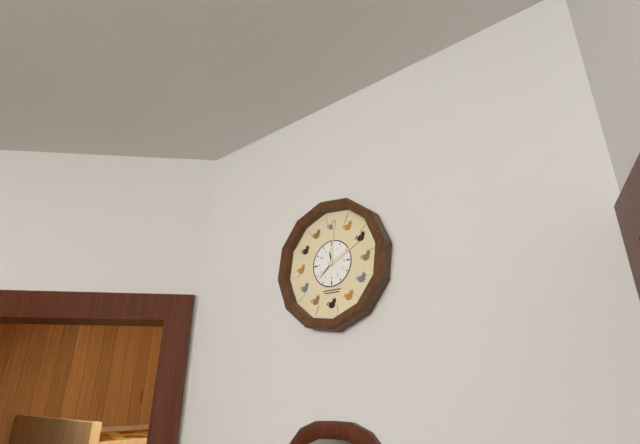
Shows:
{"hour": 11, "minute": 38}
